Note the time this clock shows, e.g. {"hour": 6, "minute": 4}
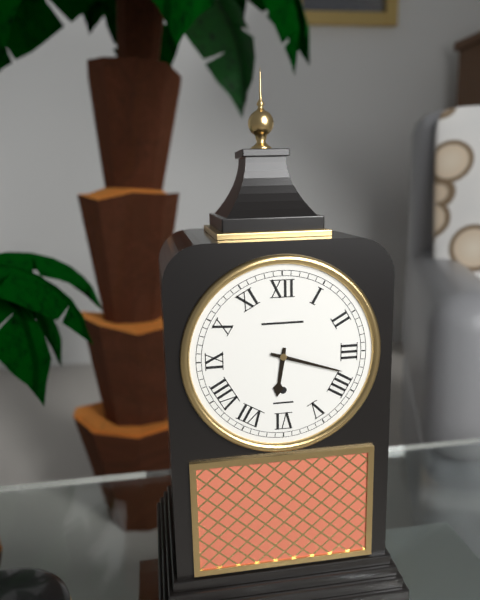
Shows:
{"hour": 6, "minute": 18}
